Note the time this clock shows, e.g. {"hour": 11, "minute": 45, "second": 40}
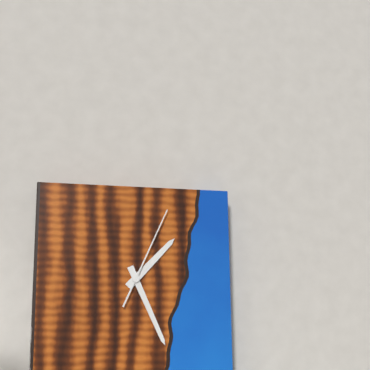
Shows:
{"hour": 1, "minute": 26, "second": 4}
